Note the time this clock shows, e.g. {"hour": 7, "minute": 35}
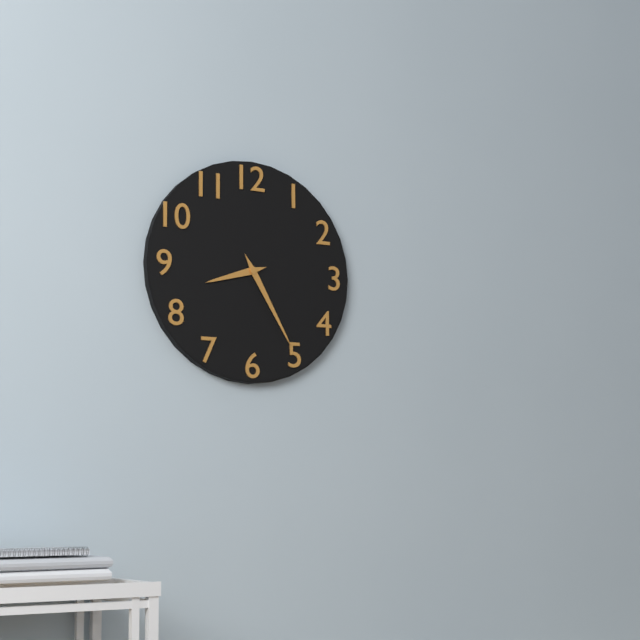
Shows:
{"hour": 8, "minute": 25}
